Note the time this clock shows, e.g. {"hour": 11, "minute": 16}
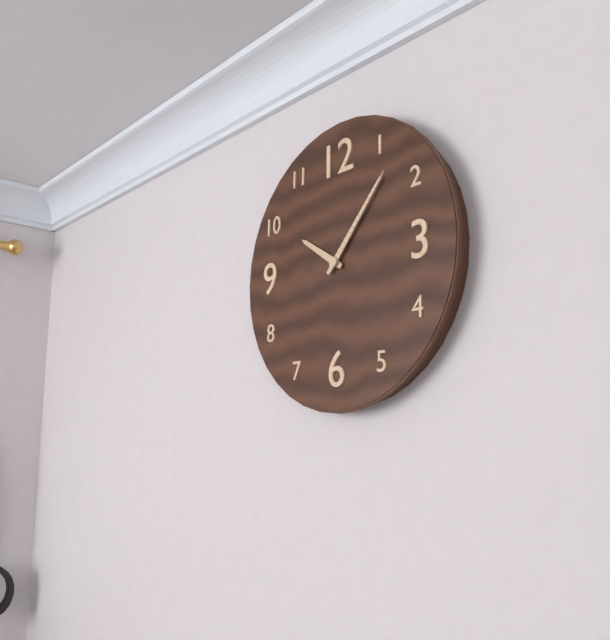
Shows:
{"hour": 10, "minute": 7}
